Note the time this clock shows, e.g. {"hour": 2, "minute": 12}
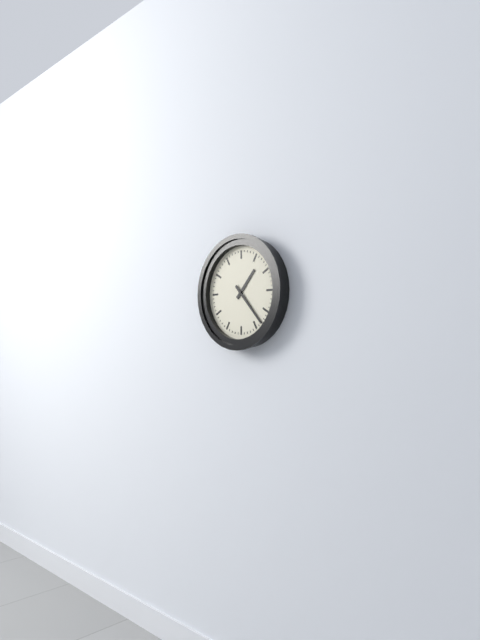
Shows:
{"hour": 1, "minute": 23}
